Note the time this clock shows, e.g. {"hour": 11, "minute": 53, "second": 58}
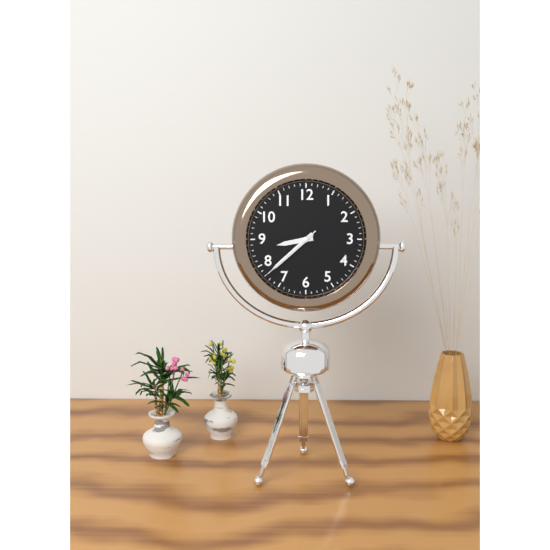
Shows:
{"hour": 8, "minute": 38, "second": 38}
